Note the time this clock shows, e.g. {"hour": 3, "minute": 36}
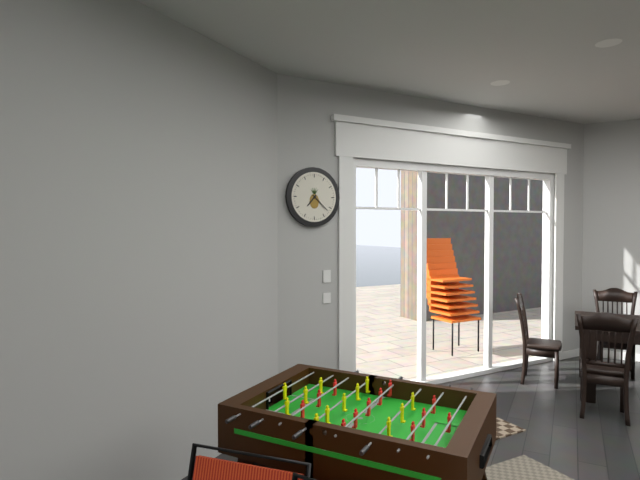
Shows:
{"hour": 7, "minute": 22}
